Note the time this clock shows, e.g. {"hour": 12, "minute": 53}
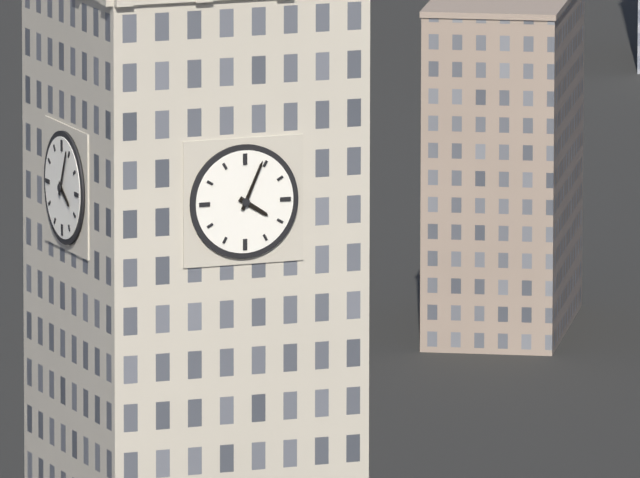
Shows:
{"hour": 4, "minute": 4}
